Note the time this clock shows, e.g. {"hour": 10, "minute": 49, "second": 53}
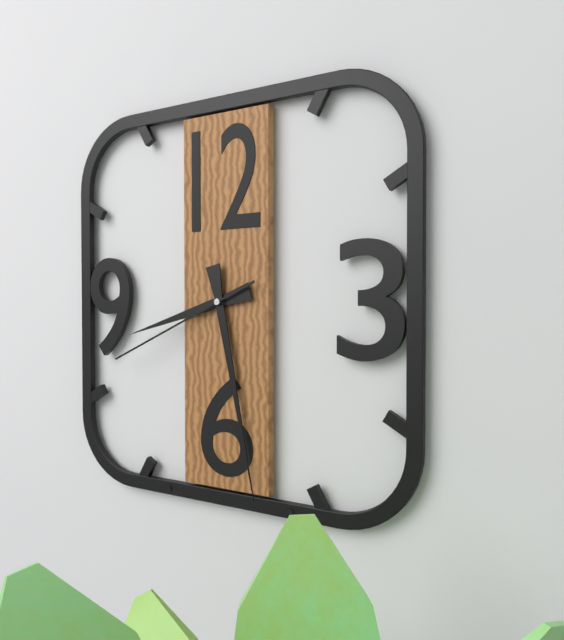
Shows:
{"hour": 8, "minute": 28, "second": 41}
